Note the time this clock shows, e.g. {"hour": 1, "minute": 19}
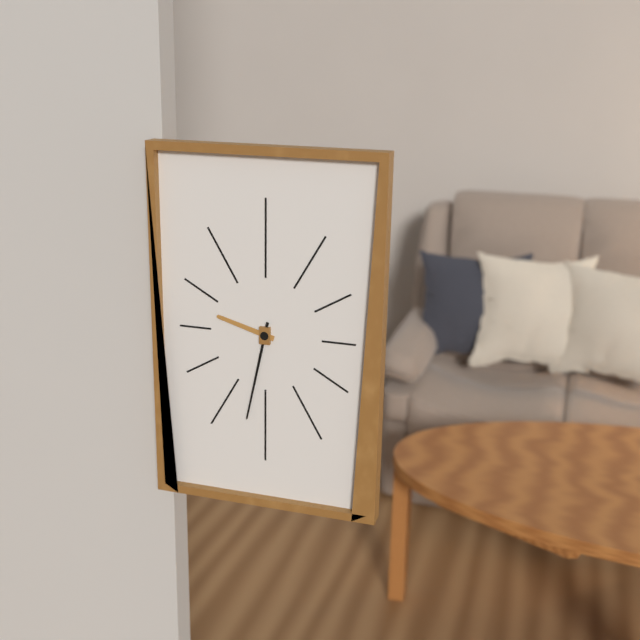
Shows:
{"hour": 9, "minute": 32}
